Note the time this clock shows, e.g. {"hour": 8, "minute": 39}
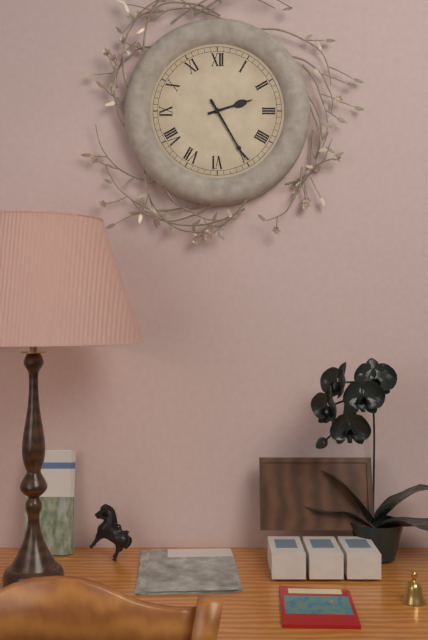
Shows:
{"hour": 2, "minute": 25}
